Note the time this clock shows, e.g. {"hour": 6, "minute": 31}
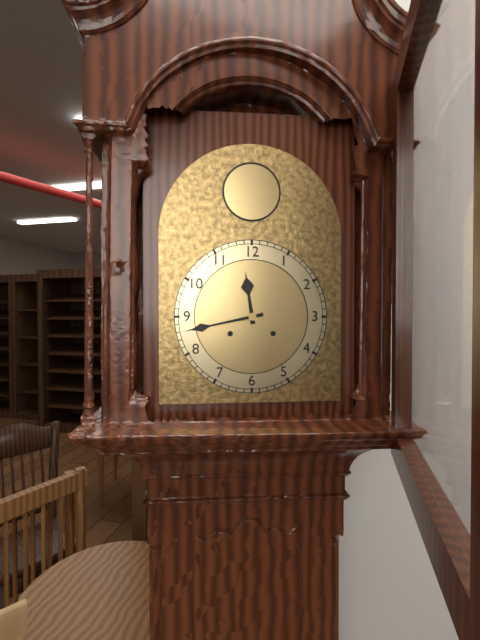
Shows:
{"hour": 11, "minute": 43}
